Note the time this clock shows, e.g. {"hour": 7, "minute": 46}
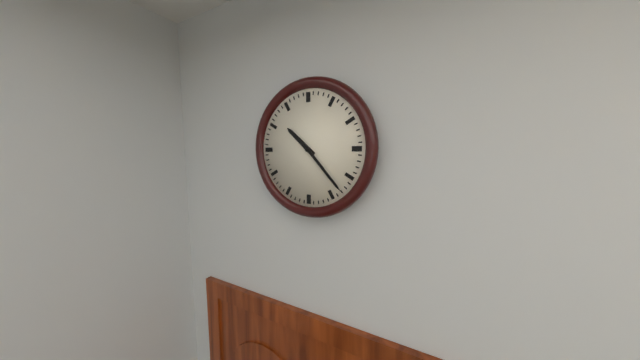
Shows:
{"hour": 10, "minute": 23}
